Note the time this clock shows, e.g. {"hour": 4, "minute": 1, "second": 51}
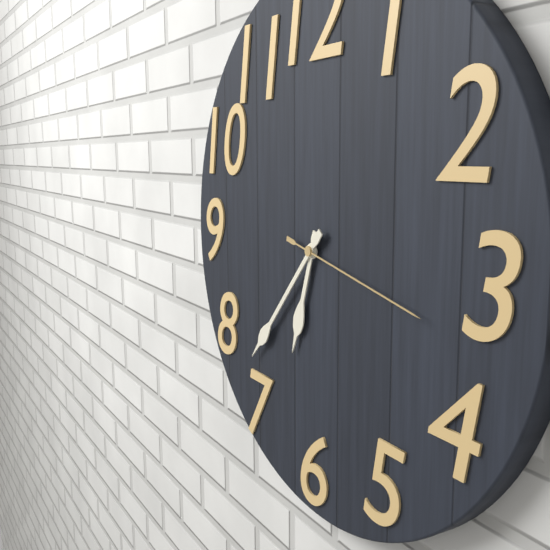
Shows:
{"hour": 6, "minute": 37, "second": 17}
